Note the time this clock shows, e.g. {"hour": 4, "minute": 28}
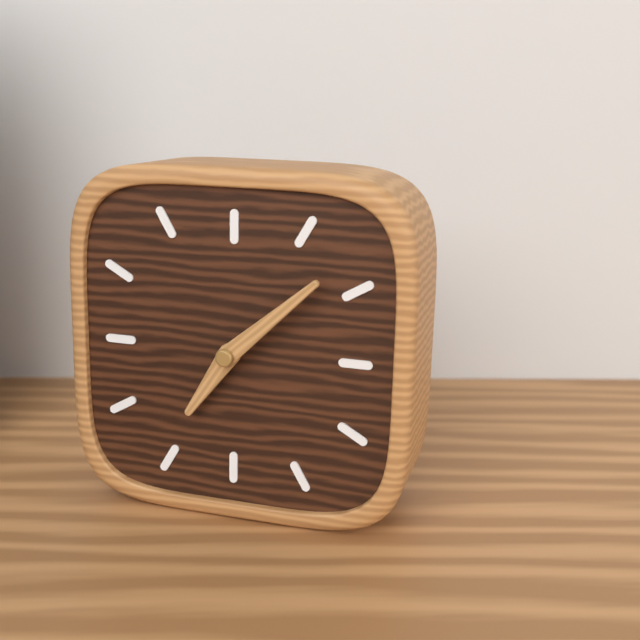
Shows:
{"hour": 7, "minute": 8}
